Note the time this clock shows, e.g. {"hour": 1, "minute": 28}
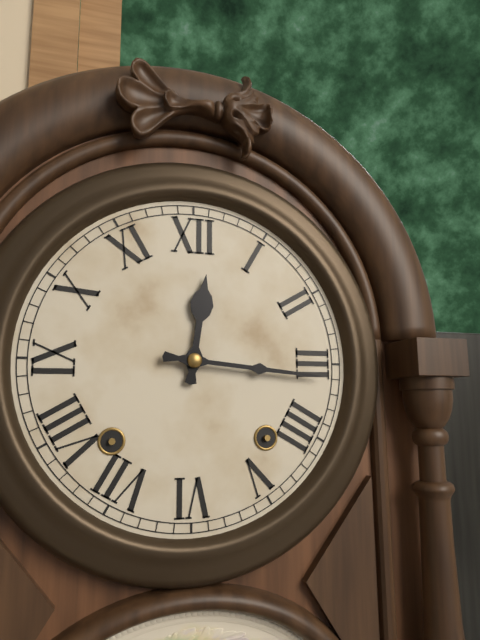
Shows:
{"hour": 12, "minute": 16}
